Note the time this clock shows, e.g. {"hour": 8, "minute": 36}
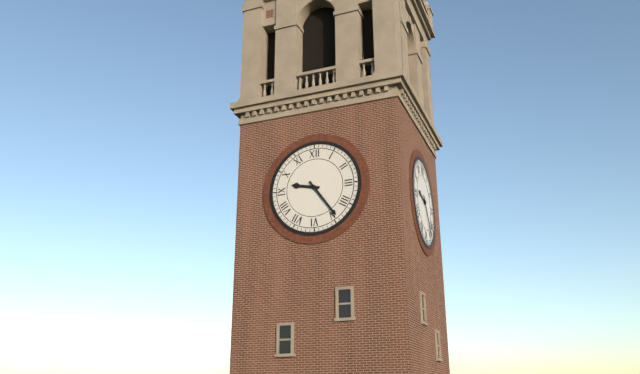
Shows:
{"hour": 9, "minute": 24}
